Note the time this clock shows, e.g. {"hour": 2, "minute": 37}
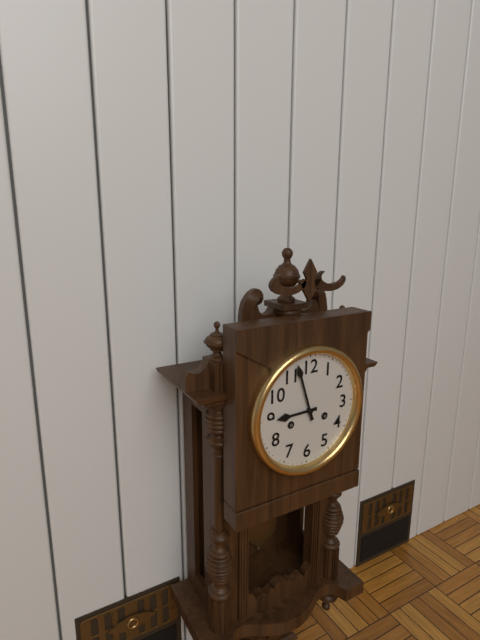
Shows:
{"hour": 8, "minute": 57}
